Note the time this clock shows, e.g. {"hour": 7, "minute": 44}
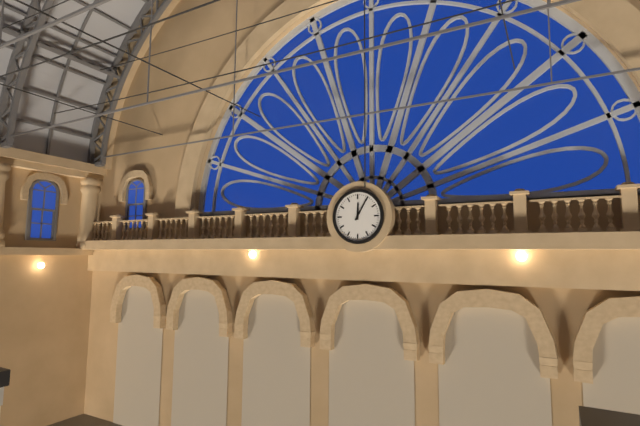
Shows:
{"hour": 12, "minute": 5}
